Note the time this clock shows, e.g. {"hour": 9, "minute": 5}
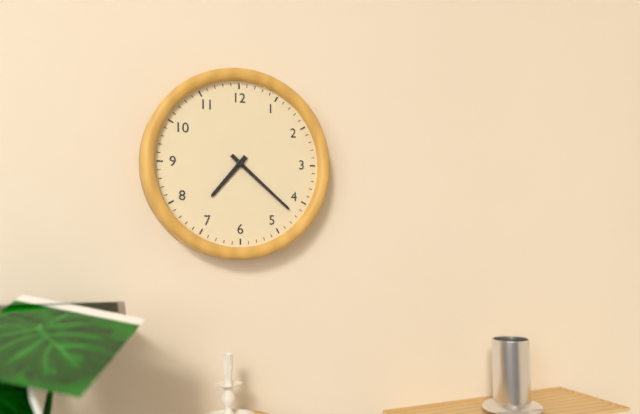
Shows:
{"hour": 7, "minute": 22}
